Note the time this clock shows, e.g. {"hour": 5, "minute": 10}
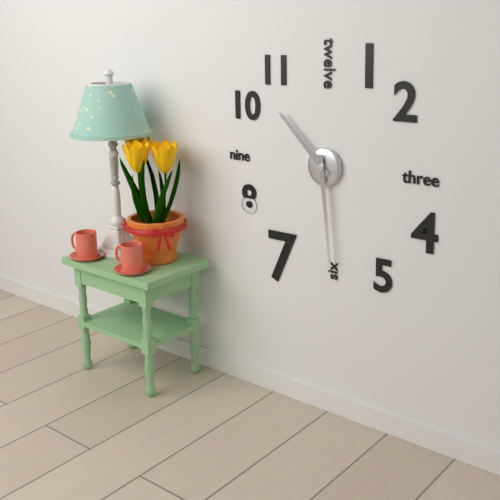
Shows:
{"hour": 10, "minute": 29}
